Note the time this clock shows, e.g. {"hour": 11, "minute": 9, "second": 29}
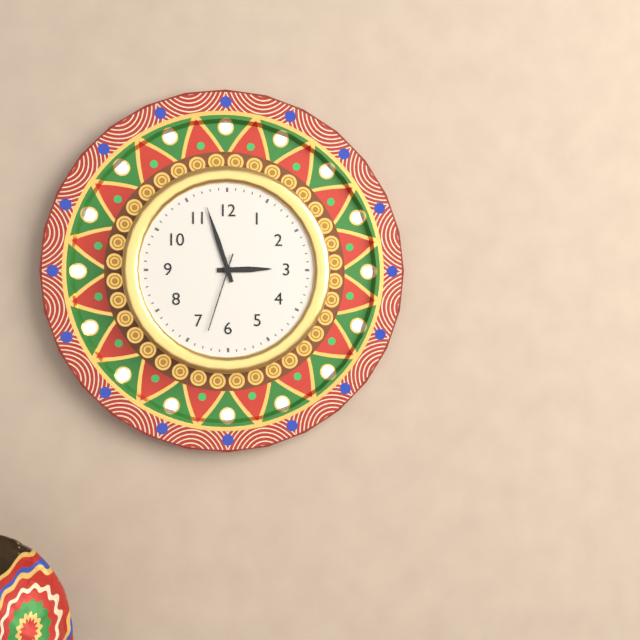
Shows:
{"hour": 2, "minute": 57, "second": 33}
